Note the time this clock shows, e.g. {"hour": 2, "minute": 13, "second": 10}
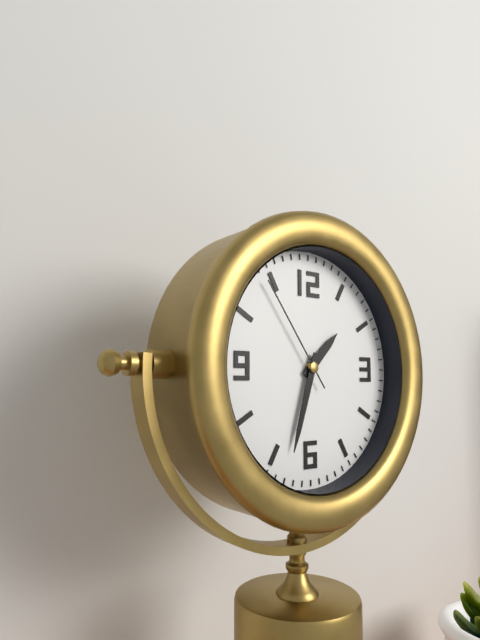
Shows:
{"hour": 1, "minute": 33, "second": 54}
